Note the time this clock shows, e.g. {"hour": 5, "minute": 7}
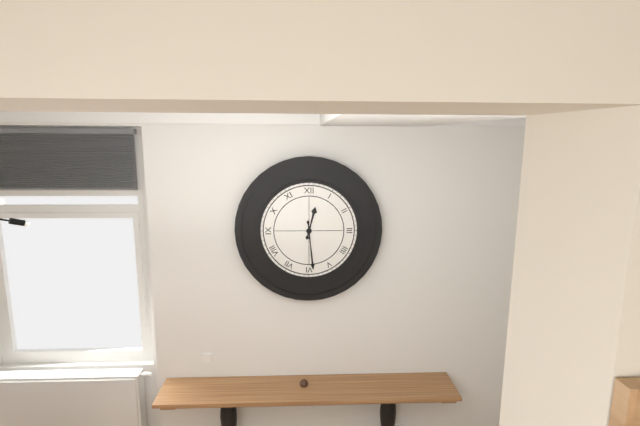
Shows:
{"hour": 12, "minute": 29}
